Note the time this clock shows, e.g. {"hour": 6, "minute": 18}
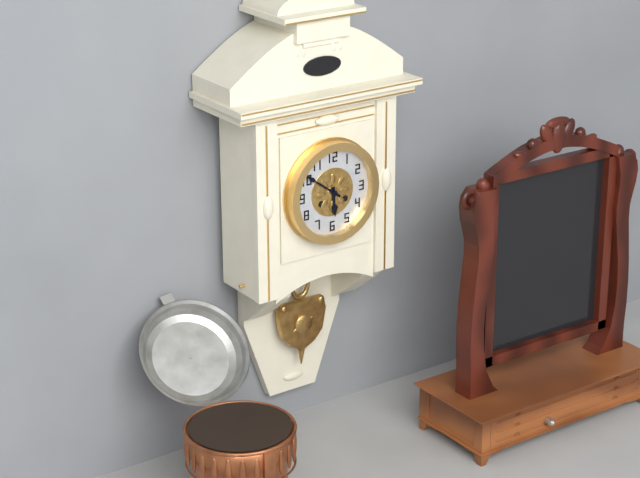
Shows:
{"hour": 5, "minute": 51}
